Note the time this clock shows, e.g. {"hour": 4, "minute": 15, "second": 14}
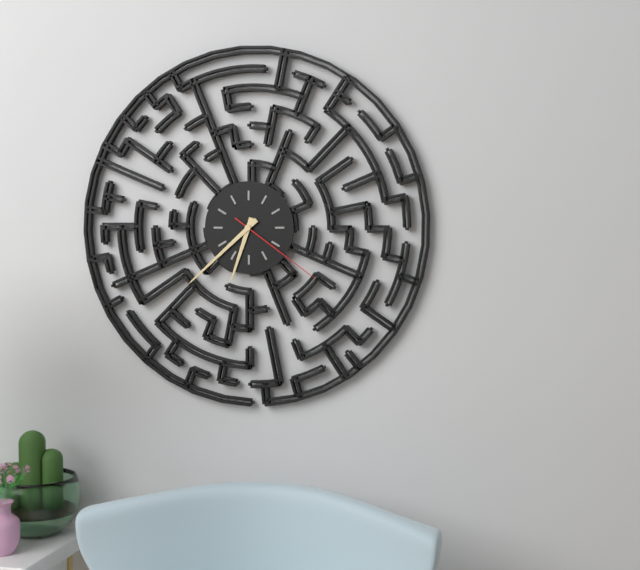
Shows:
{"hour": 6, "minute": 38, "second": 21}
